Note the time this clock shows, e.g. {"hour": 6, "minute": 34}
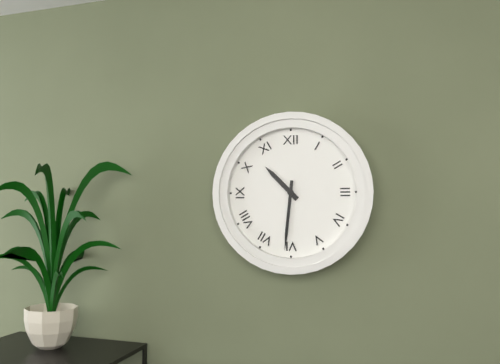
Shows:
{"hour": 10, "minute": 31}
